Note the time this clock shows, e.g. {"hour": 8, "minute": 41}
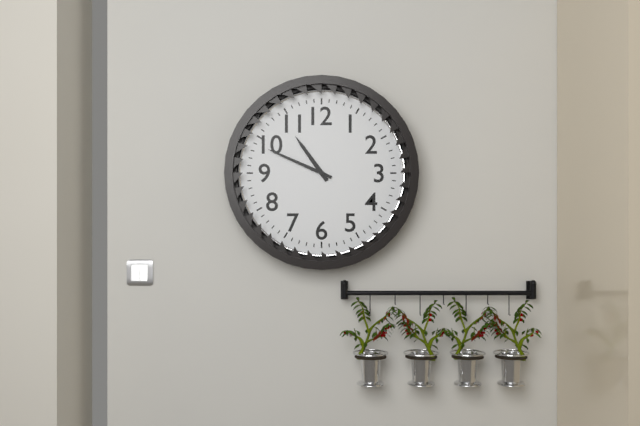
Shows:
{"hour": 10, "minute": 49}
